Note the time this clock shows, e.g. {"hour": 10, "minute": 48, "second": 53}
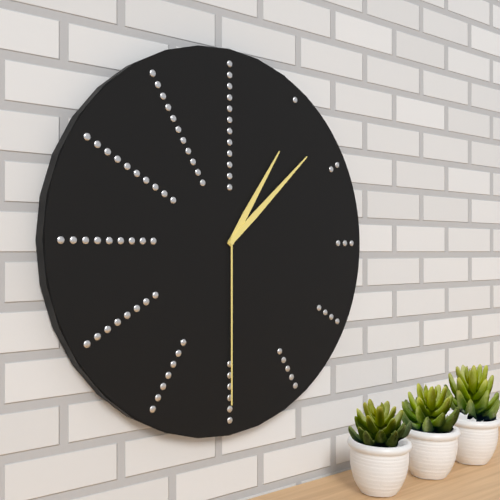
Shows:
{"hour": 1, "minute": 8, "second": 30}
